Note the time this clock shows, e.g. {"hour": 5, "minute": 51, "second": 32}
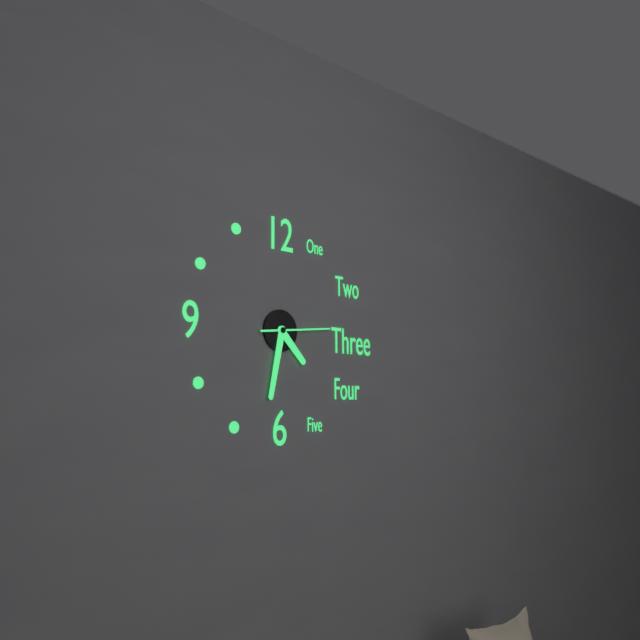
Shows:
{"hour": 4, "minute": 32, "second": 14}
